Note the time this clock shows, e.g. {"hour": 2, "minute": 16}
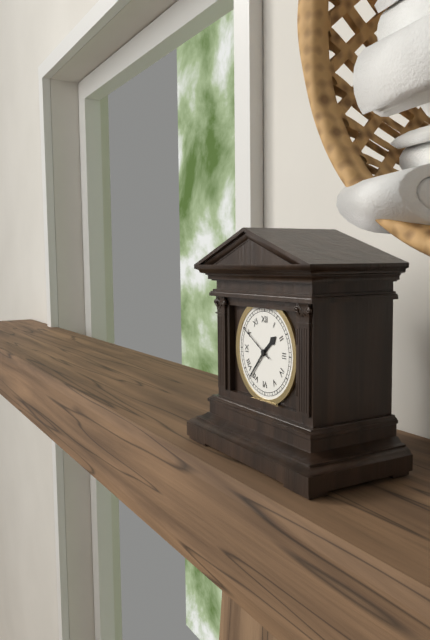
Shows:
{"hour": 1, "minute": 37}
